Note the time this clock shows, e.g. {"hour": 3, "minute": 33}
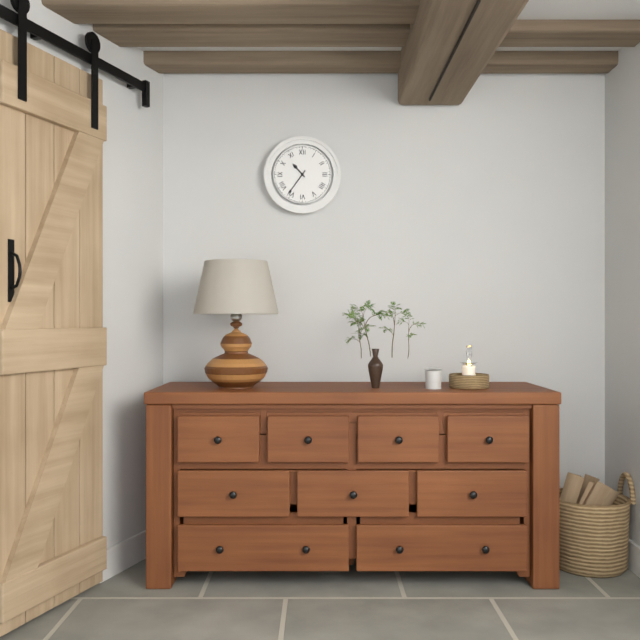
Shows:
{"hour": 10, "minute": 36}
